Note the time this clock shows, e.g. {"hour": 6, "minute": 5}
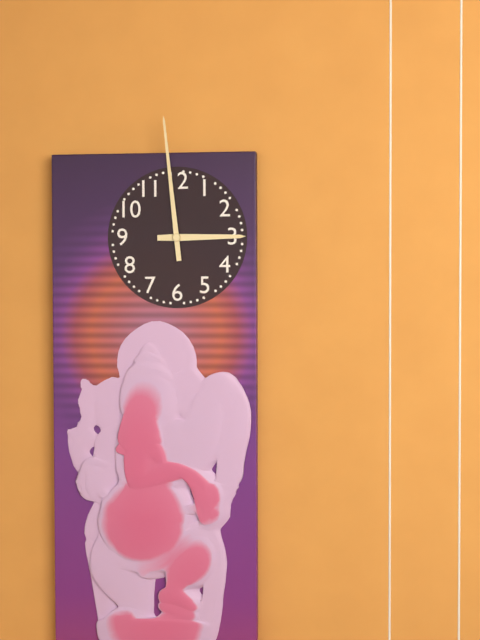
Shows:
{"hour": 2, "minute": 59}
